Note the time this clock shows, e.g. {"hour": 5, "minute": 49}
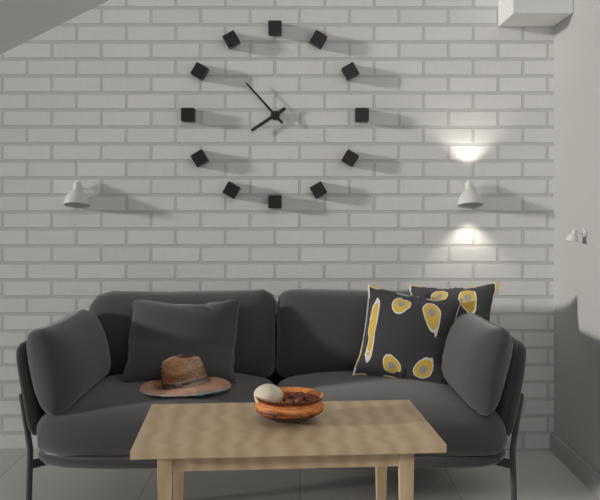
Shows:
{"hour": 7, "minute": 53}
